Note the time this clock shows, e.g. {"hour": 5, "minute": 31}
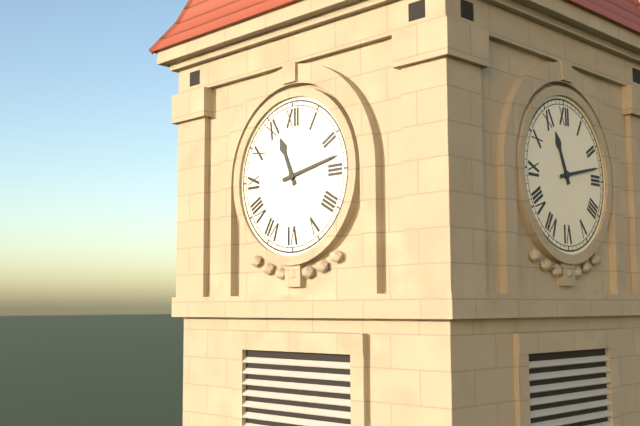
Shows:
{"hour": 11, "minute": 13}
